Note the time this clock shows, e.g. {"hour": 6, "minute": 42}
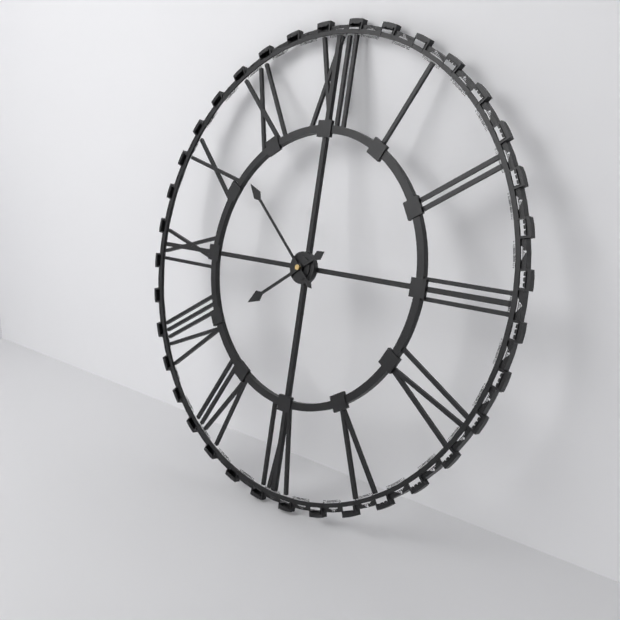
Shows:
{"hour": 7, "minute": 52}
